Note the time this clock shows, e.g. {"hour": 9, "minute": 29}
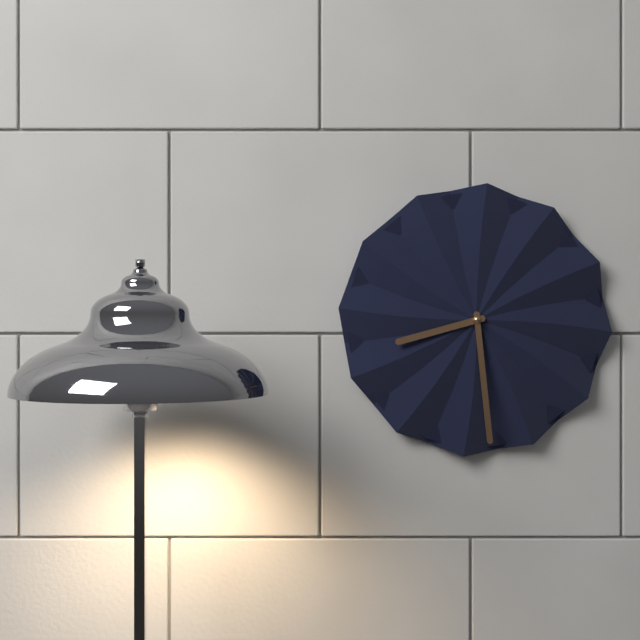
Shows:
{"hour": 8, "minute": 29}
